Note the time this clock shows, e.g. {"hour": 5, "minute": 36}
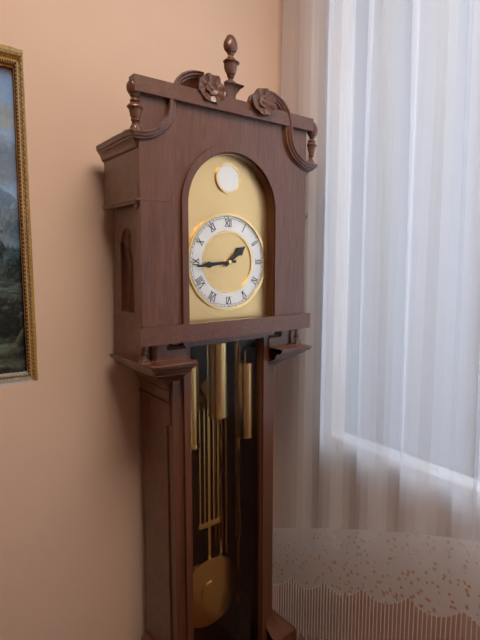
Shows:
{"hour": 1, "minute": 44}
